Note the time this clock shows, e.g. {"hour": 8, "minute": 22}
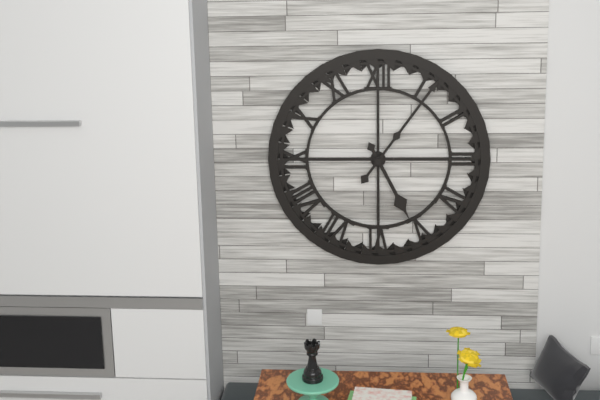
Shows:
{"hour": 5, "minute": 6}
